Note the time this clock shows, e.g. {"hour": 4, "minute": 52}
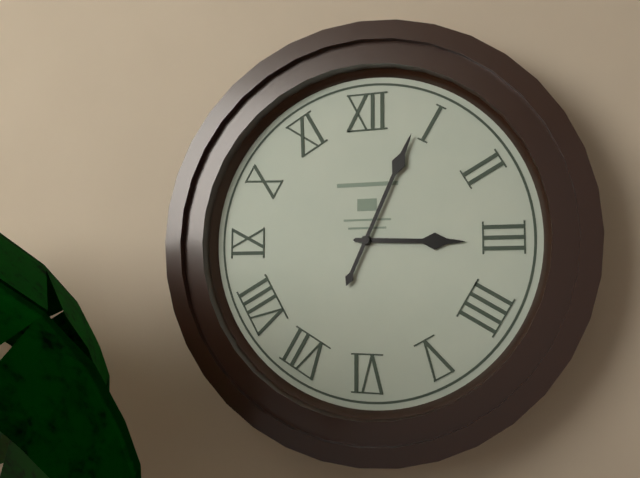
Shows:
{"hour": 3, "minute": 4}
